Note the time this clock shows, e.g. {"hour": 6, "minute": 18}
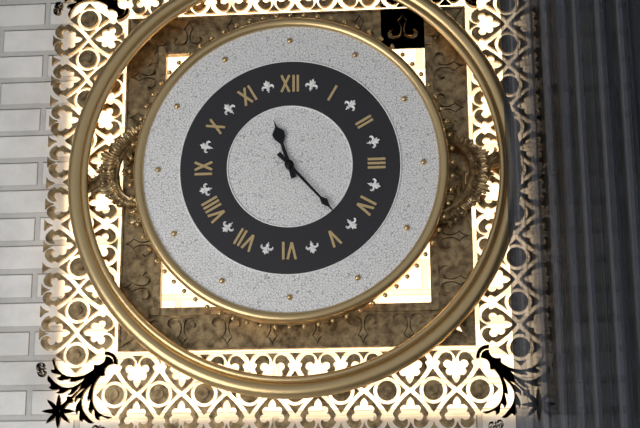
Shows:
{"hour": 11, "minute": 23}
